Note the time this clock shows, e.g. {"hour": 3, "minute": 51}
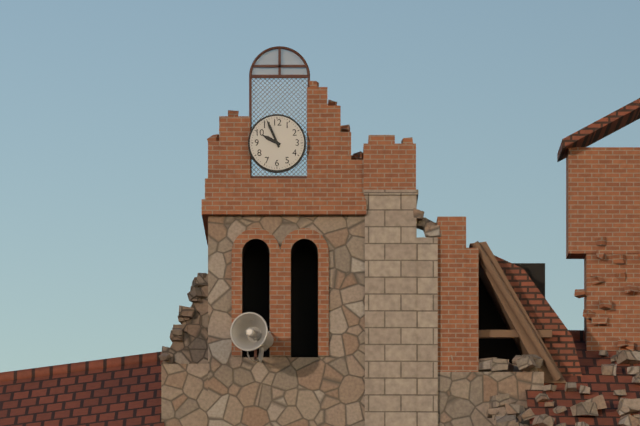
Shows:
{"hour": 9, "minute": 56}
